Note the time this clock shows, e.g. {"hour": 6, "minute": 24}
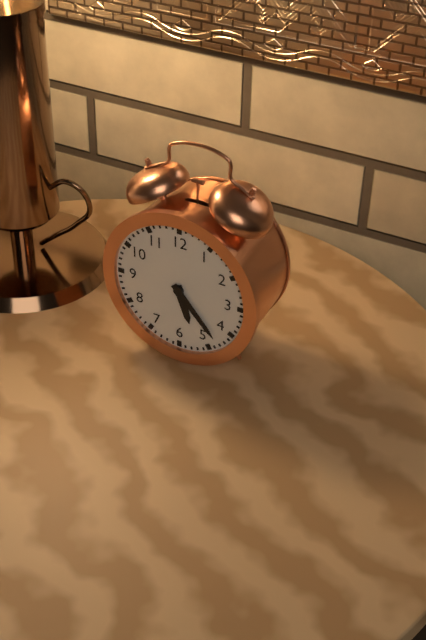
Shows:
{"hour": 5, "minute": 23}
